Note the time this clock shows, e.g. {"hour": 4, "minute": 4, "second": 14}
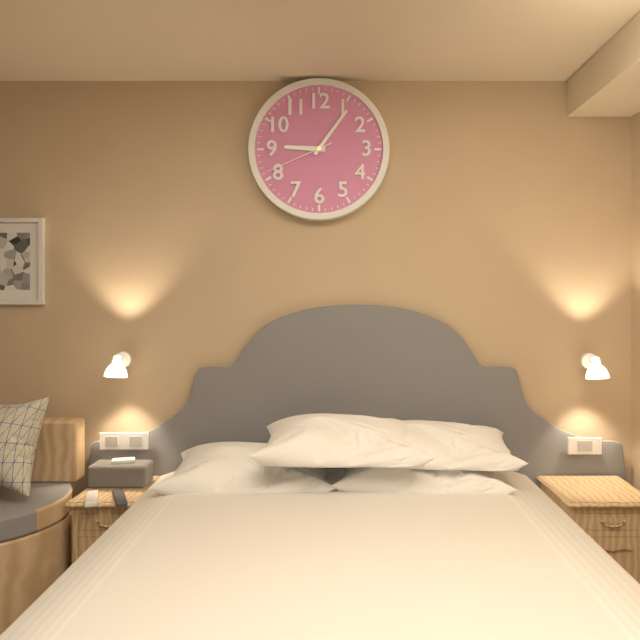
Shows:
{"hour": 9, "minute": 6, "second": 41}
